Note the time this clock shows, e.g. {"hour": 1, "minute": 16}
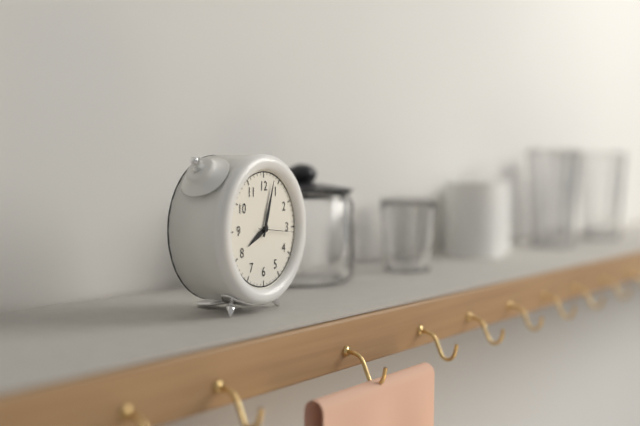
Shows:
{"hour": 8, "minute": 3}
